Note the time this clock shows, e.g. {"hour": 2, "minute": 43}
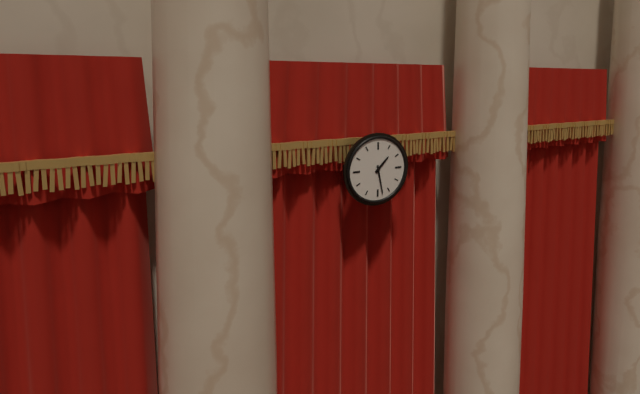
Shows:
{"hour": 1, "minute": 28}
